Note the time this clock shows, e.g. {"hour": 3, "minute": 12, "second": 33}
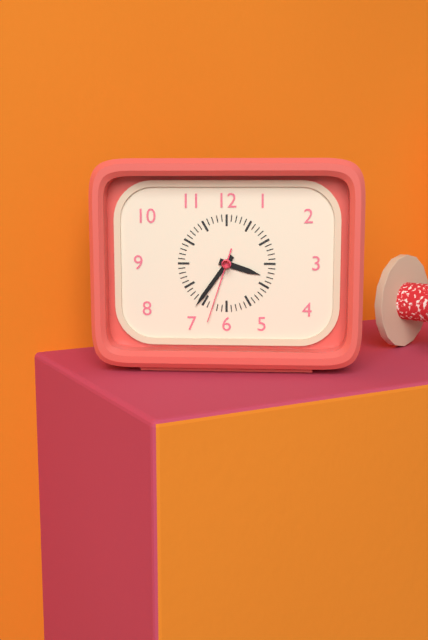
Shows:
{"hour": 3, "minute": 36, "second": 33}
